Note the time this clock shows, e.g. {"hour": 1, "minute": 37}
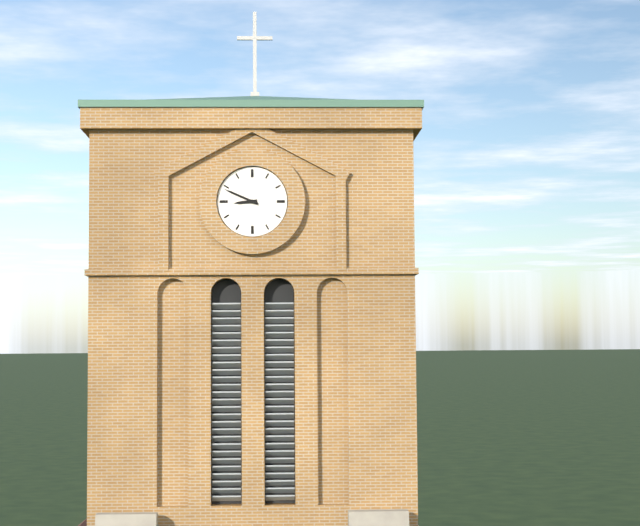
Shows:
{"hour": 8, "minute": 49}
